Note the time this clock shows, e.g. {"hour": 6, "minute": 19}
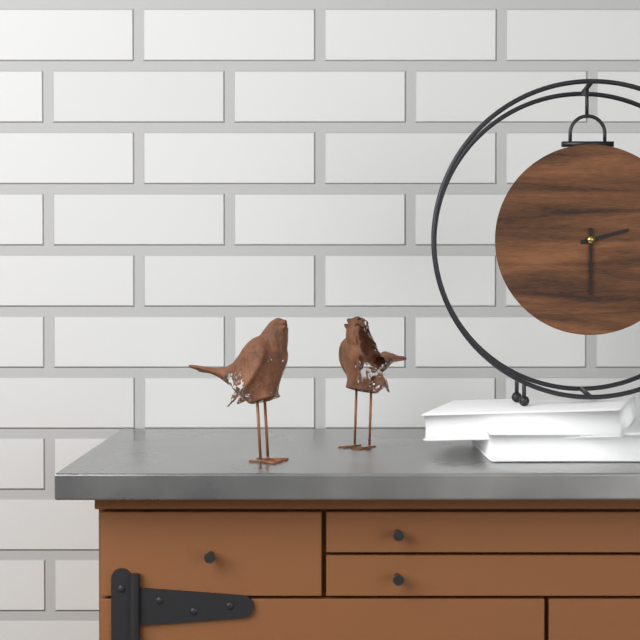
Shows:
{"hour": 2, "minute": 30}
